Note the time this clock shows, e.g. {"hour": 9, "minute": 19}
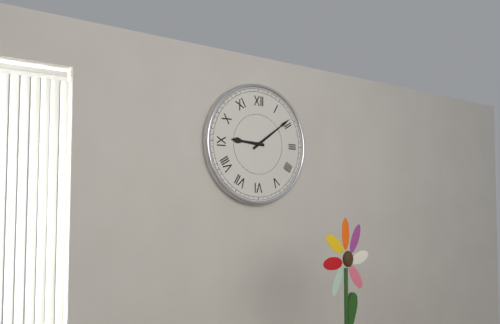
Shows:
{"hour": 9, "minute": 9}
